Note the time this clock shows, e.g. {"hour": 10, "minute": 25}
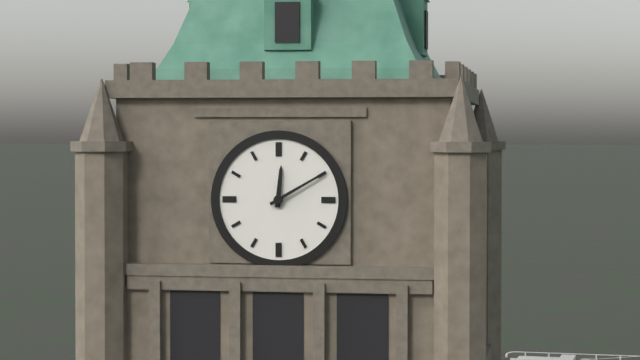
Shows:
{"hour": 12, "minute": 10}
